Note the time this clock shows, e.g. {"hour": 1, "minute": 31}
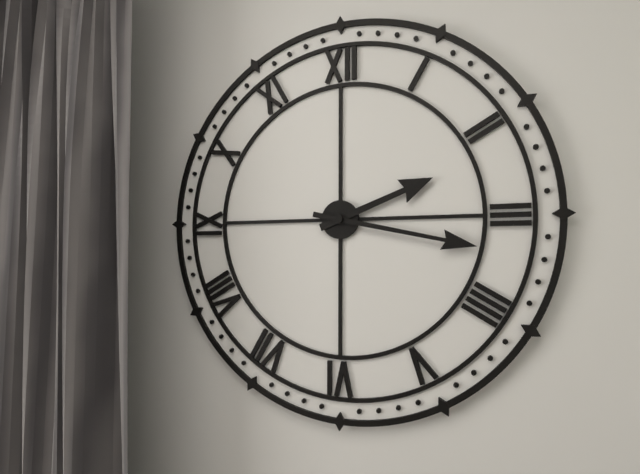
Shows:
{"hour": 2, "minute": 17}
